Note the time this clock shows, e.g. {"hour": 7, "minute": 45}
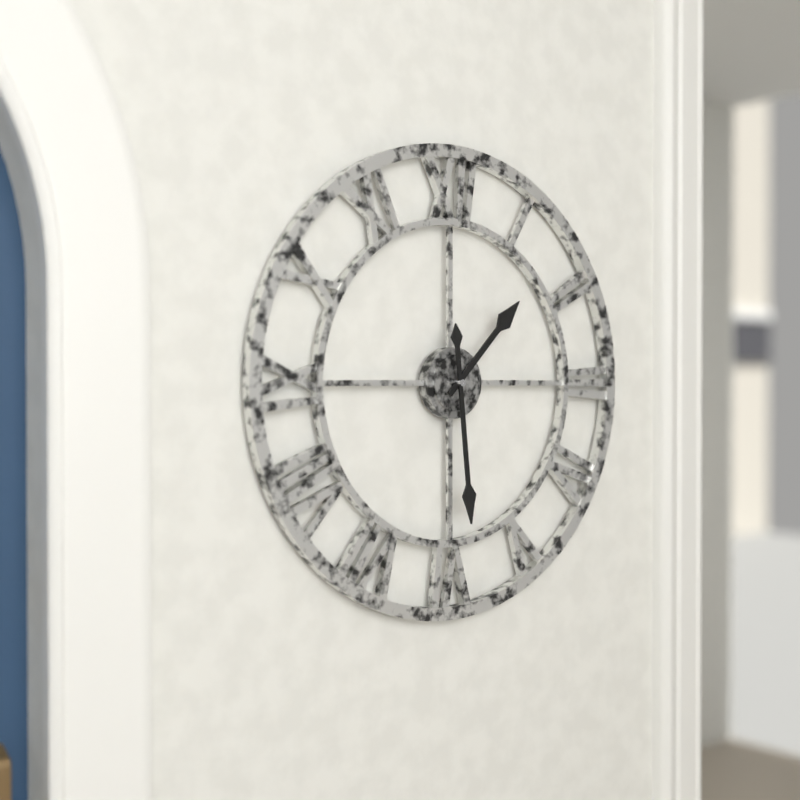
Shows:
{"hour": 1, "minute": 29}
